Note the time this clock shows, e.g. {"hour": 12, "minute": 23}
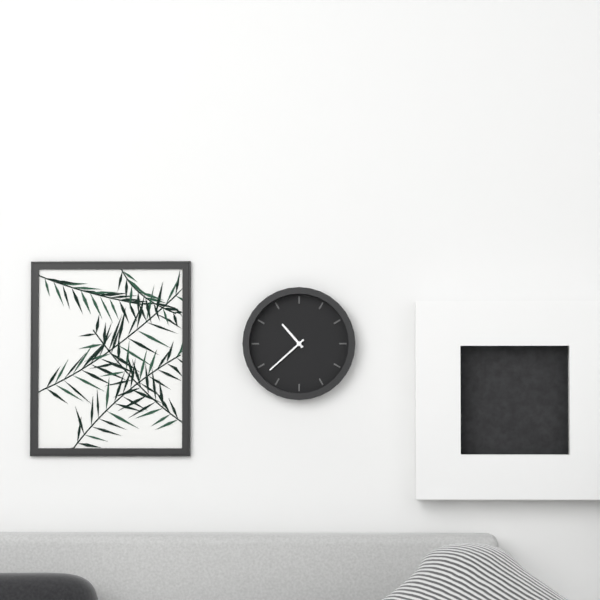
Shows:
{"hour": 10, "minute": 38}
